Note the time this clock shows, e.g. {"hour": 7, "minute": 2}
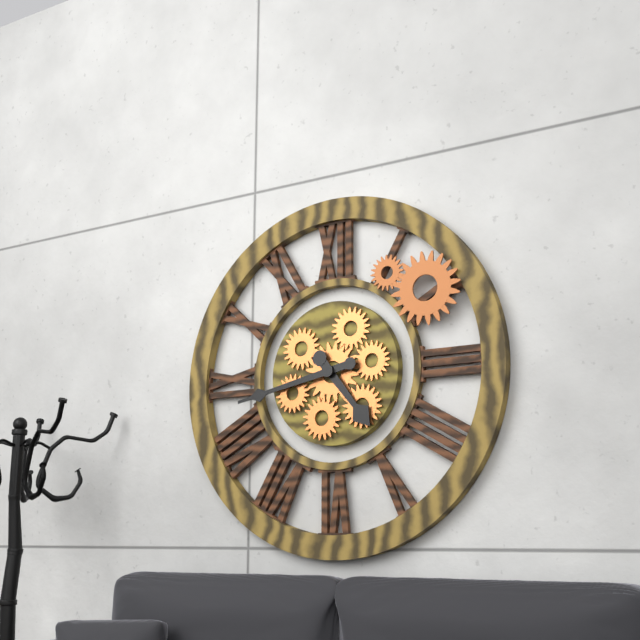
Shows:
{"hour": 4, "minute": 43}
